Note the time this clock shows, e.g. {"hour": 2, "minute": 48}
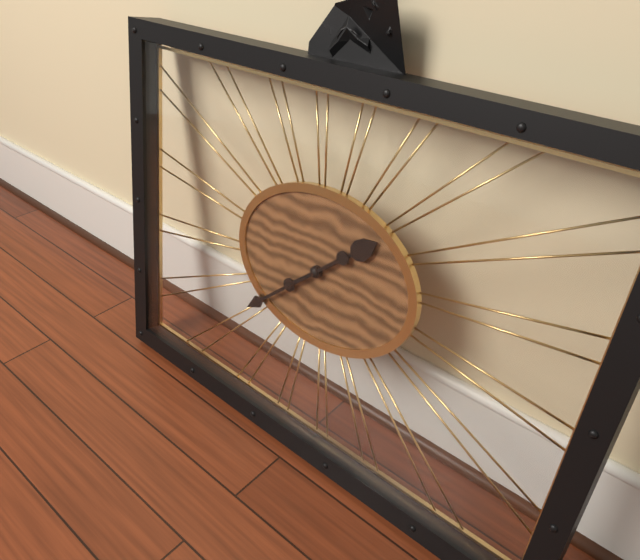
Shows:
{"hour": 1, "minute": 38}
